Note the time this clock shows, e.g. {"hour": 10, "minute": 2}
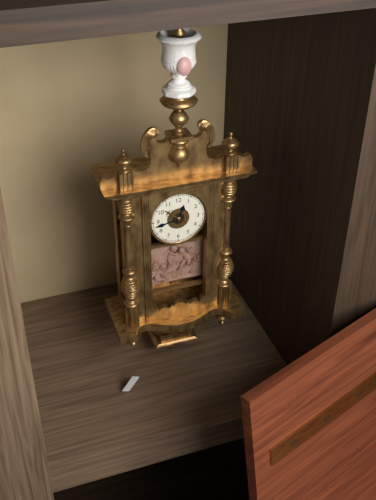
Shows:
{"hour": 12, "minute": 43}
